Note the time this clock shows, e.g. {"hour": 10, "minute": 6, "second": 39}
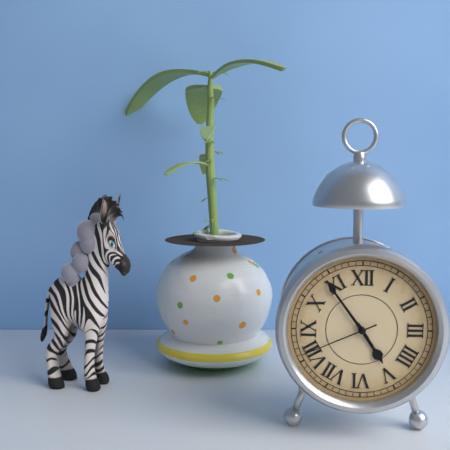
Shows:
{"hour": 4, "minute": 54, "second": 41}
